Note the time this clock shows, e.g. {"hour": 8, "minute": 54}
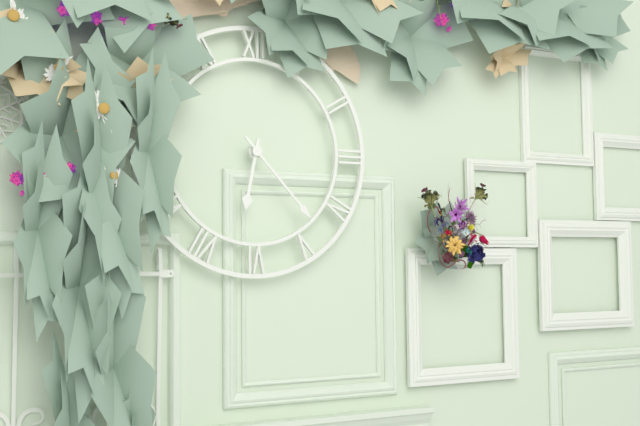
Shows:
{"hour": 6, "minute": 23}
